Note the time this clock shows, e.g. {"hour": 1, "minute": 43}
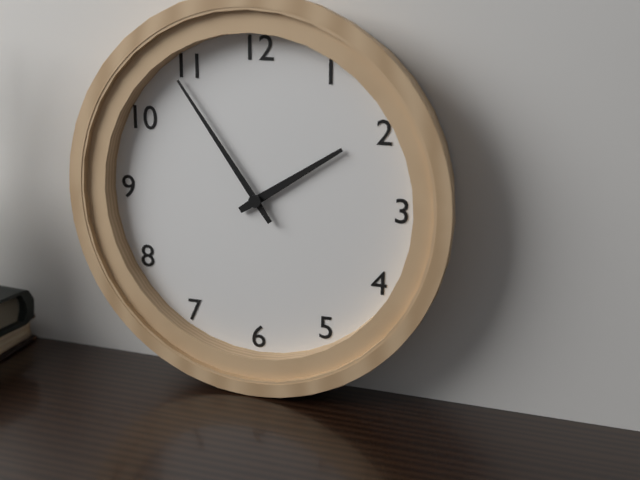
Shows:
{"hour": 1, "minute": 54}
